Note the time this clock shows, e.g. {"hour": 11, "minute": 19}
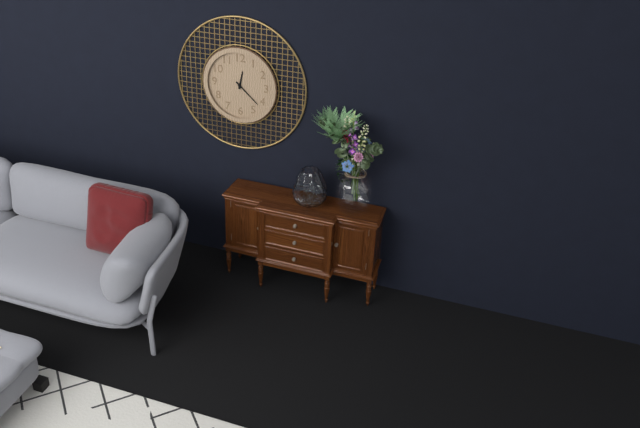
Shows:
{"hour": 12, "minute": 22}
